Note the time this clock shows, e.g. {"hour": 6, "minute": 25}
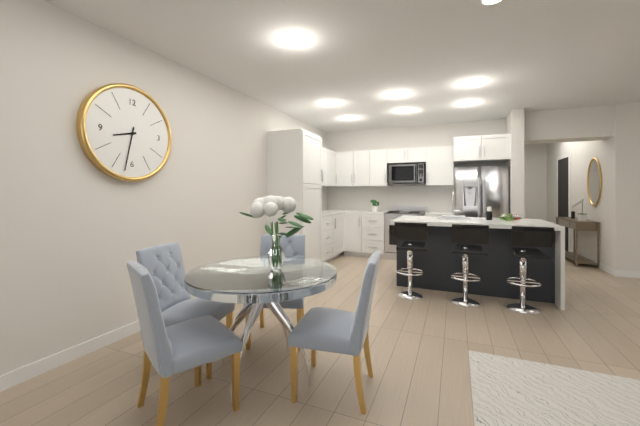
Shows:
{"hour": 8, "minute": 32}
